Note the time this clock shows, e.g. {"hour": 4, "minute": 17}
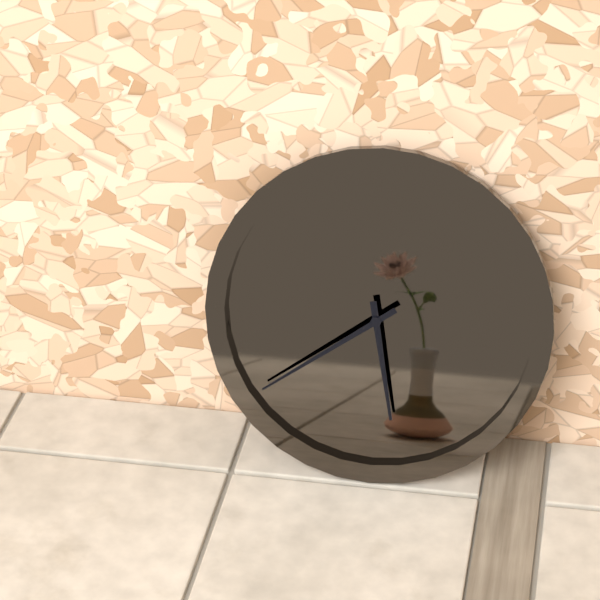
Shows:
{"hour": 5, "minute": 39}
